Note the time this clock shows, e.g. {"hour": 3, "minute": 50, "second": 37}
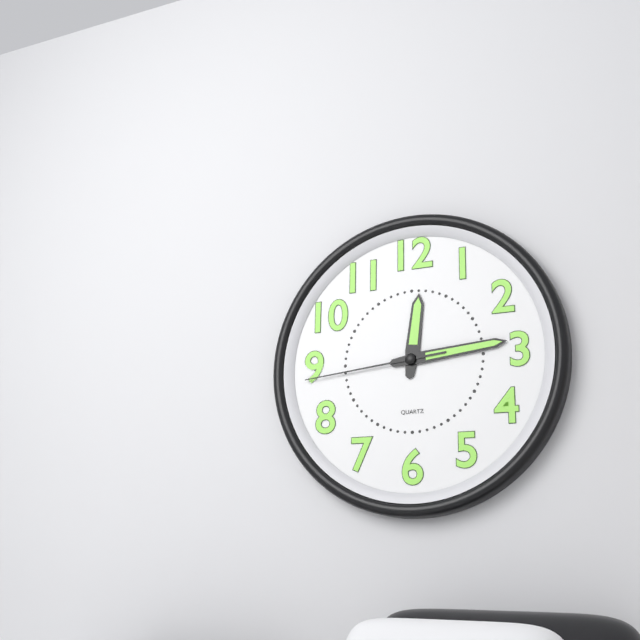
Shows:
{"hour": 12, "minute": 14, "second": 44}
